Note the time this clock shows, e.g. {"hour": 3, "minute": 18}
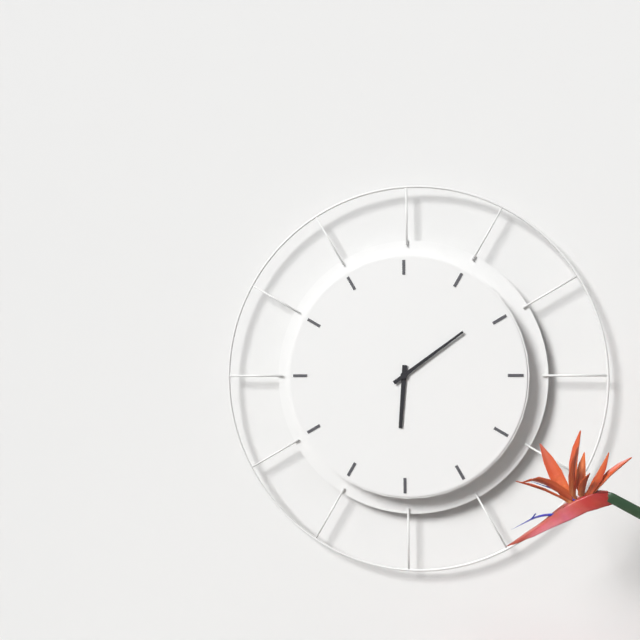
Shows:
{"hour": 6, "minute": 9}
